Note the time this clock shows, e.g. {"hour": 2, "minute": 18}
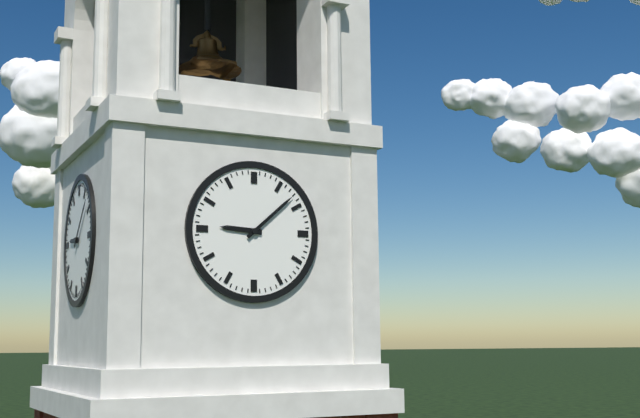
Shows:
{"hour": 9, "minute": 8}
